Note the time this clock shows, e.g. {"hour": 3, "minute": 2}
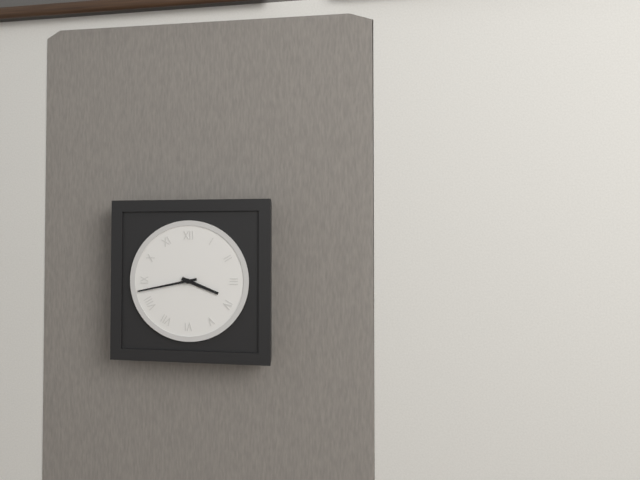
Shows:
{"hour": 3, "minute": 43}
